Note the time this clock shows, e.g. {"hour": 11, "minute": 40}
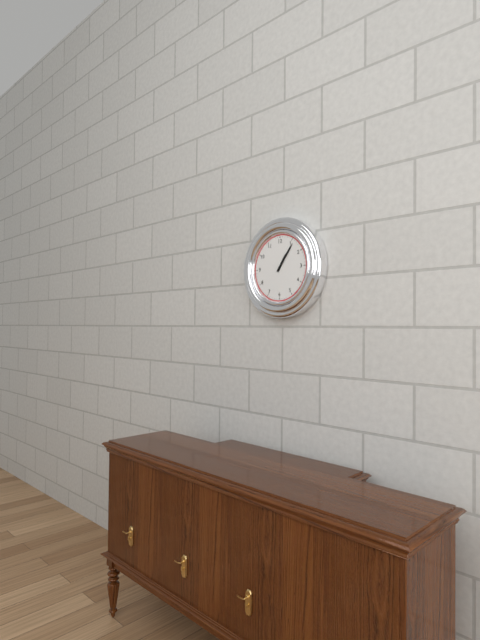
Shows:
{"hour": 1, "minute": 6}
